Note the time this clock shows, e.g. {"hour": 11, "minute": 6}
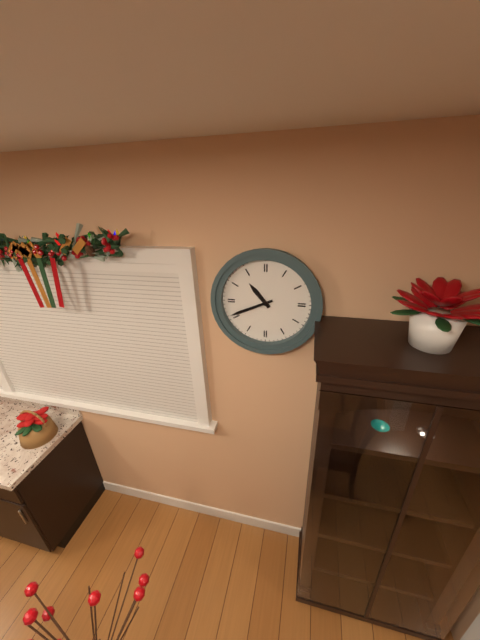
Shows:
{"hour": 10, "minute": 41}
